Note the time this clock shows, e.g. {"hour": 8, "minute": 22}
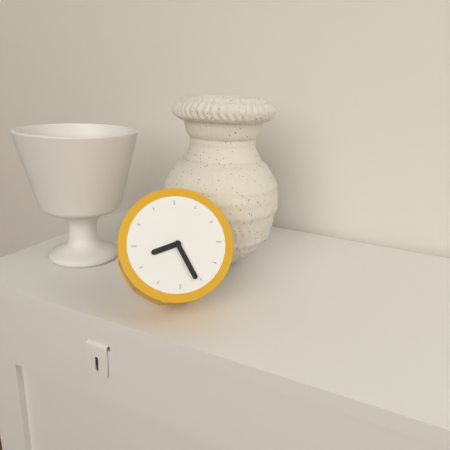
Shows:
{"hour": 8, "minute": 26}
